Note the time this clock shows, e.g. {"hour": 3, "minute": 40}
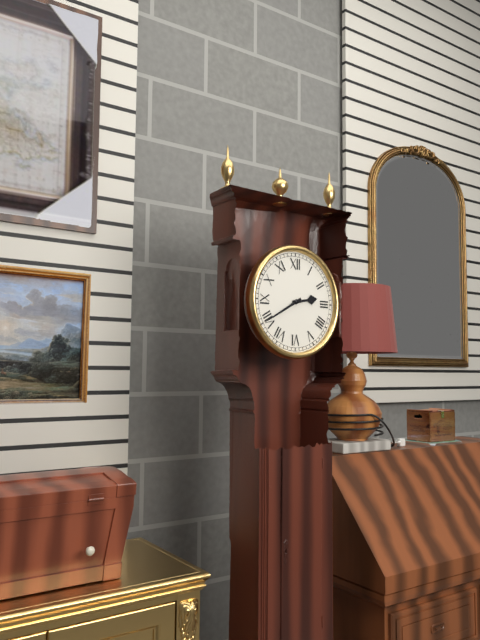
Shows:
{"hour": 2, "minute": 40}
